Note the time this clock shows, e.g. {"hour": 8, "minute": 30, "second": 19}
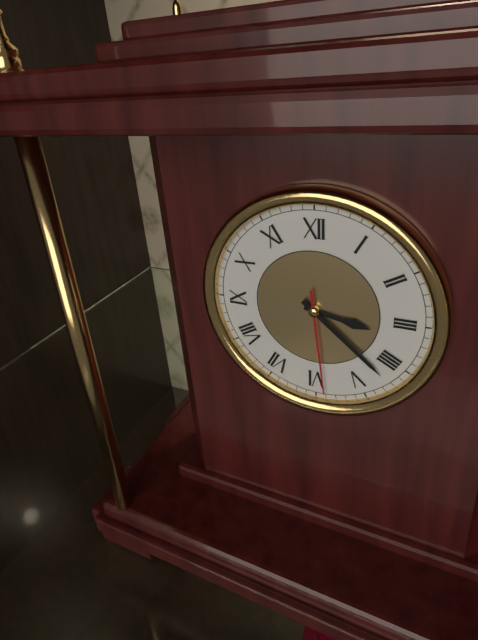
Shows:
{"hour": 3, "minute": 22, "second": 29}
